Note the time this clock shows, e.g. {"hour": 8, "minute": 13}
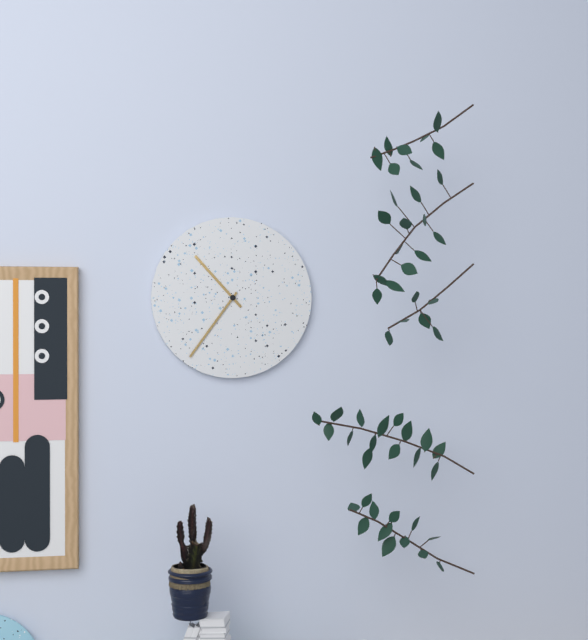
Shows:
{"hour": 10, "minute": 36}
